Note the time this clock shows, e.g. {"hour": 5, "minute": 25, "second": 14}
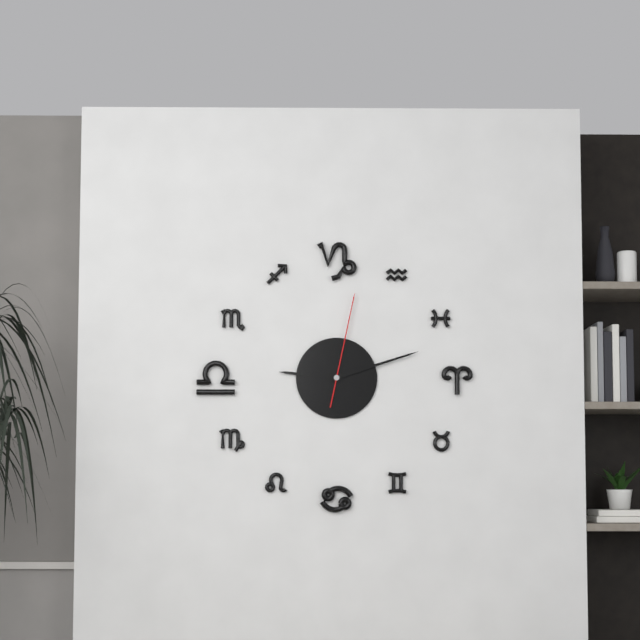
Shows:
{"hour": 9, "minute": 12, "second": 2}
